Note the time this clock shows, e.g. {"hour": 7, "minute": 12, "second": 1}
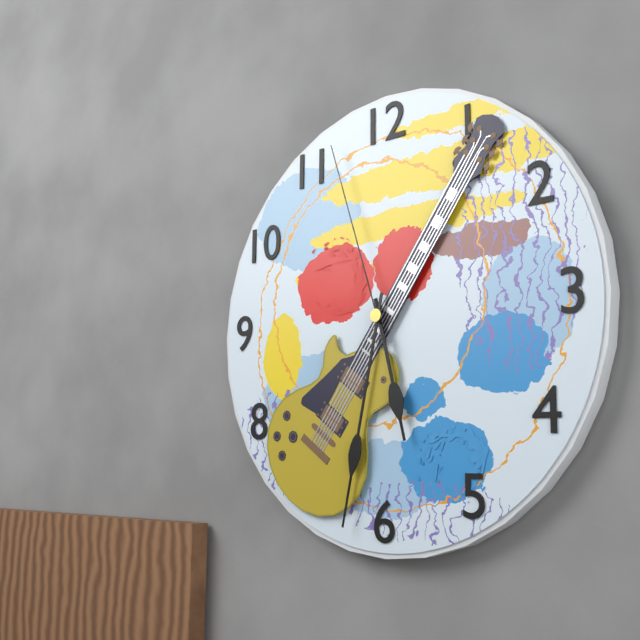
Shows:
{"hour": 5, "minute": 32, "second": 57}
